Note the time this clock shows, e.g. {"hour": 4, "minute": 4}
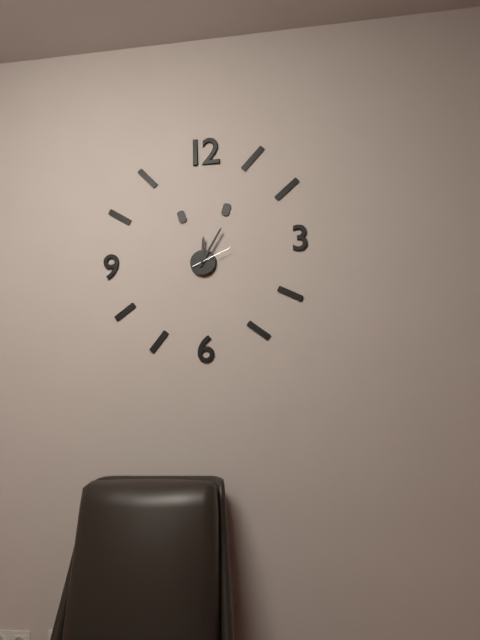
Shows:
{"hour": 12, "minute": 5}
